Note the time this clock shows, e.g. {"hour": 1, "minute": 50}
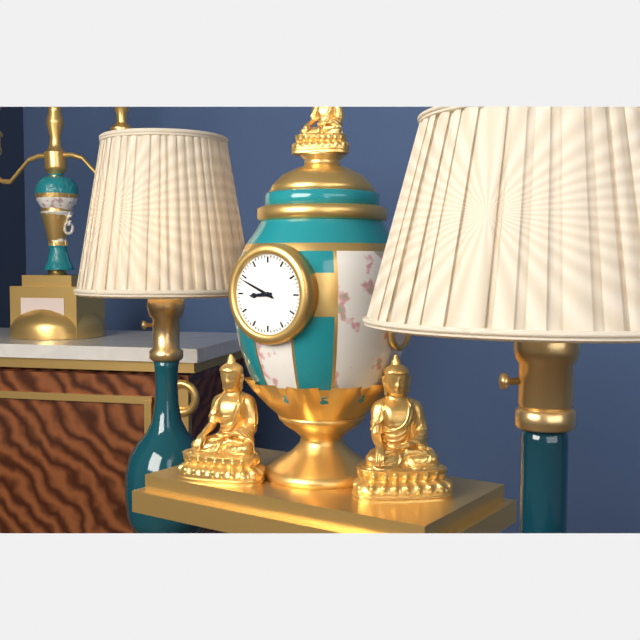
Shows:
{"hour": 8, "minute": 49}
